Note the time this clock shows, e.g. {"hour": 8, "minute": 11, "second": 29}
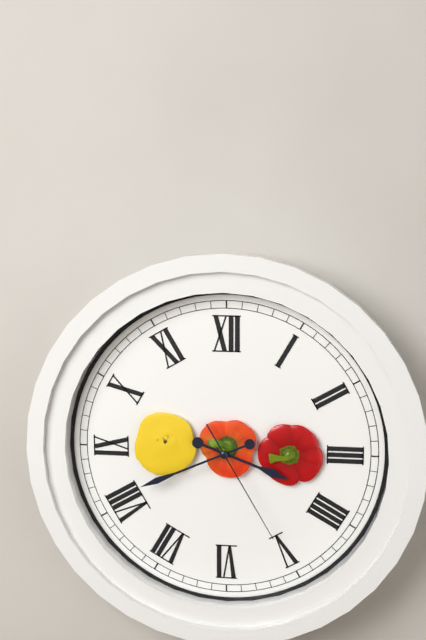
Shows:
{"hour": 3, "minute": 41, "second": 25}
